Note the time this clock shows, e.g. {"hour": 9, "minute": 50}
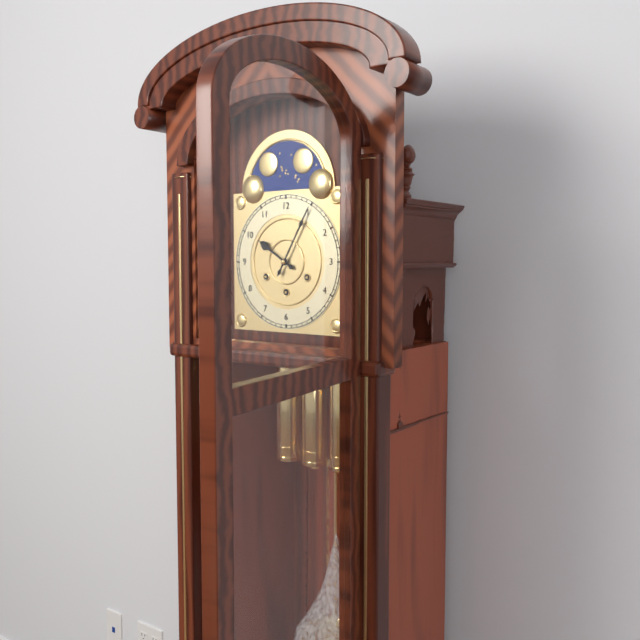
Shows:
{"hour": 10, "minute": 5}
